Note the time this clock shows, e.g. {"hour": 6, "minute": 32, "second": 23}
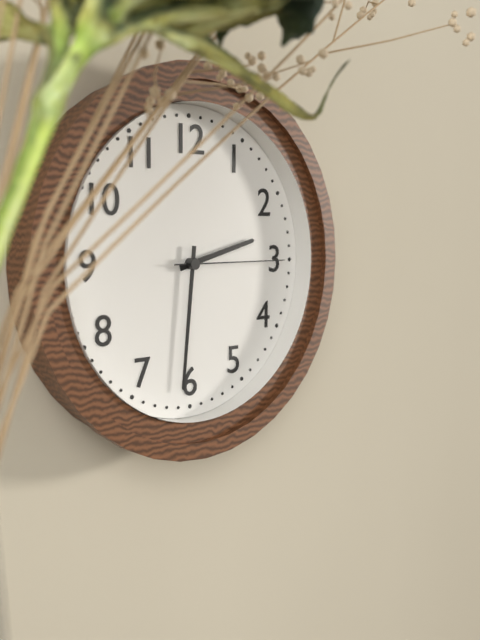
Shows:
{"hour": 2, "minute": 31, "second": 15}
